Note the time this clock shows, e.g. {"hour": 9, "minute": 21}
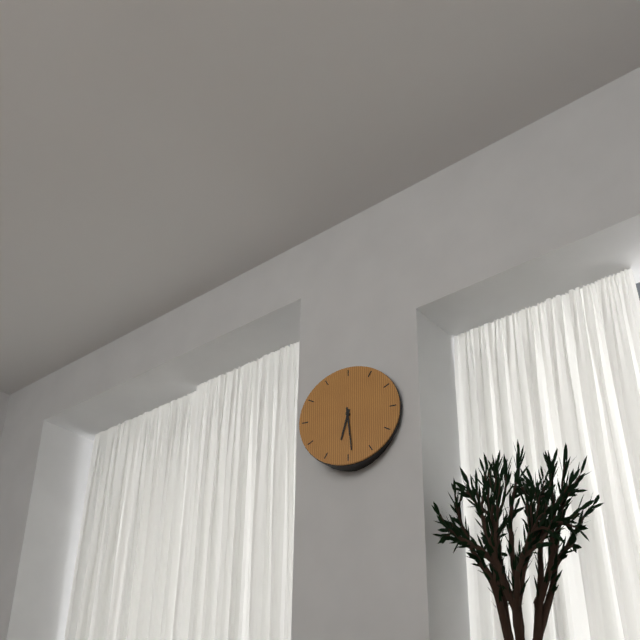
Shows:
{"hour": 6, "minute": 29}
